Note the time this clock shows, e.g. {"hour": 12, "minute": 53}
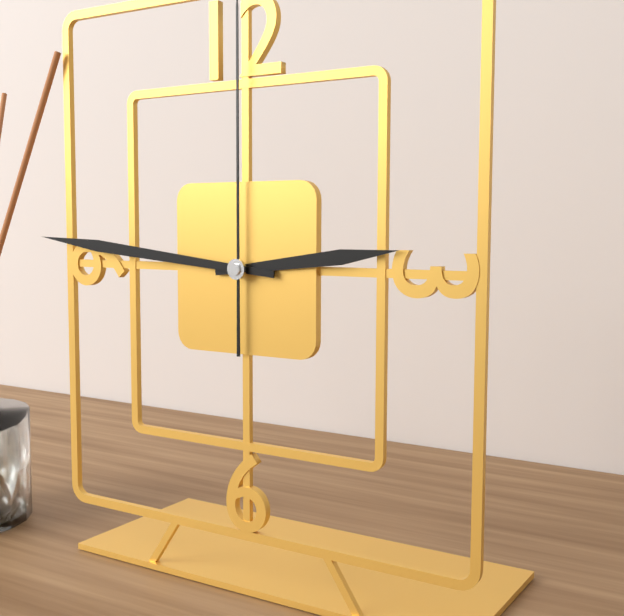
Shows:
{"hour": 2, "minute": 46}
